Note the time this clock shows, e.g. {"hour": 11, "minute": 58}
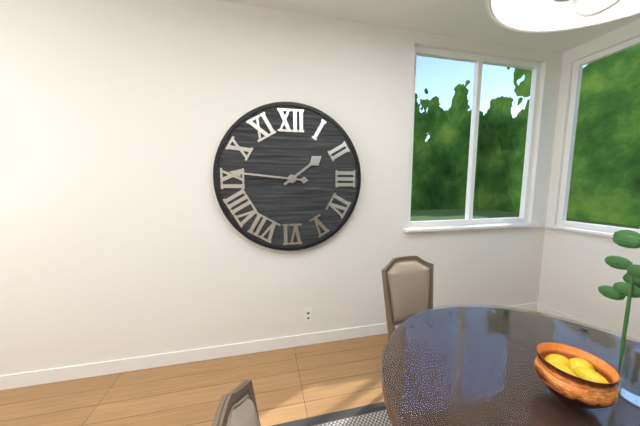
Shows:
{"hour": 1, "minute": 46}
